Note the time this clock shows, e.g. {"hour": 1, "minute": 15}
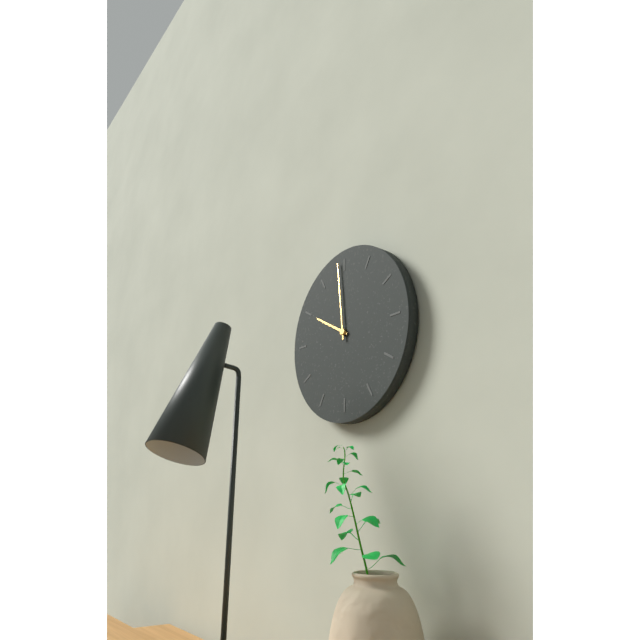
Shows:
{"hour": 9, "minute": 59}
